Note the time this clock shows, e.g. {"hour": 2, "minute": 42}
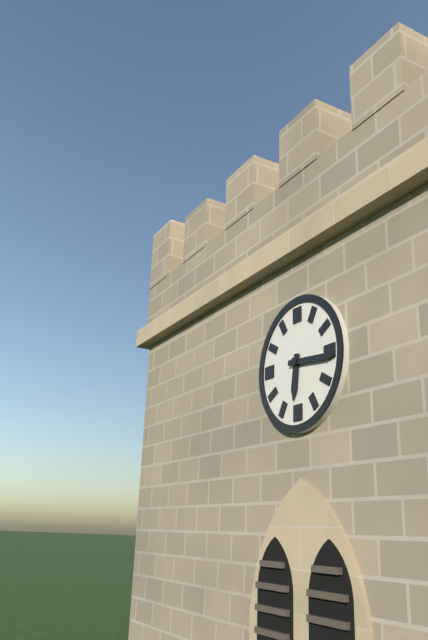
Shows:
{"hour": 6, "minute": 16}
